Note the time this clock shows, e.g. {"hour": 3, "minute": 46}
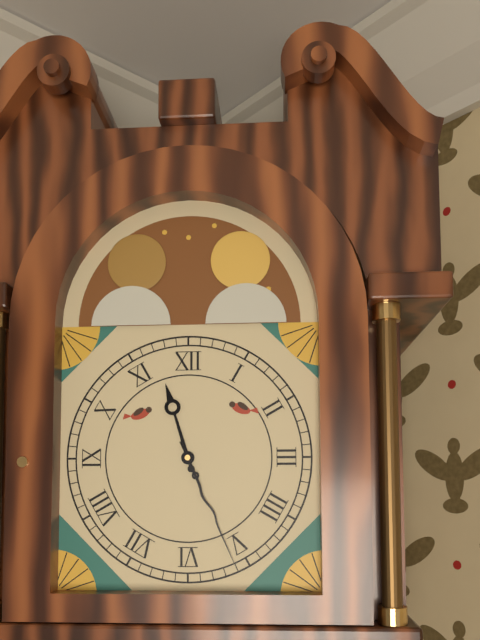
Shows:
{"hour": 11, "minute": 26}
